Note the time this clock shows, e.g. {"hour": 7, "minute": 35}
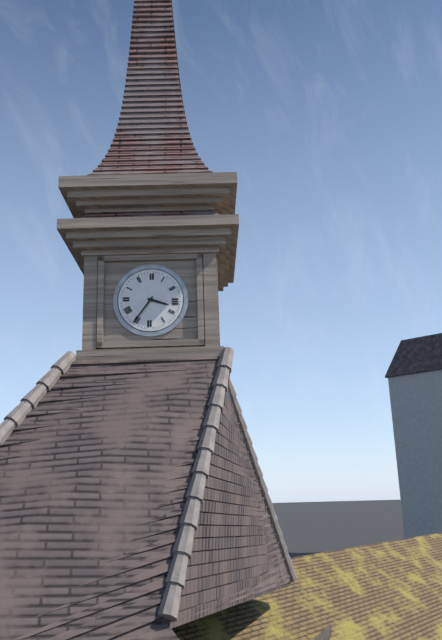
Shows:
{"hour": 3, "minute": 36}
